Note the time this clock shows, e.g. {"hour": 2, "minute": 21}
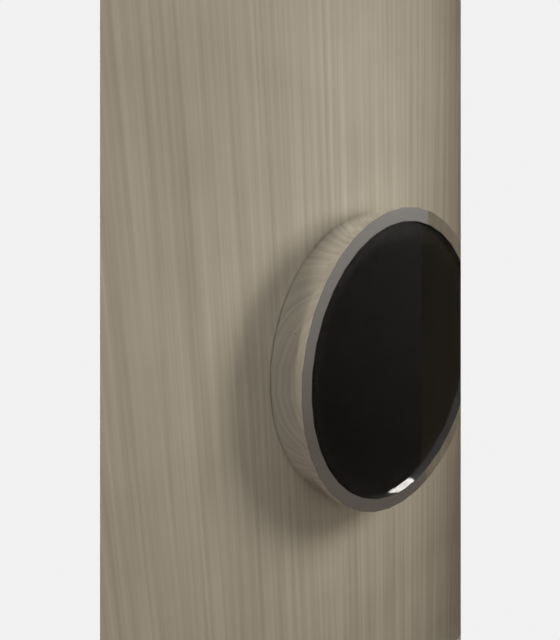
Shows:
{"hour": 4, "minute": 25}
